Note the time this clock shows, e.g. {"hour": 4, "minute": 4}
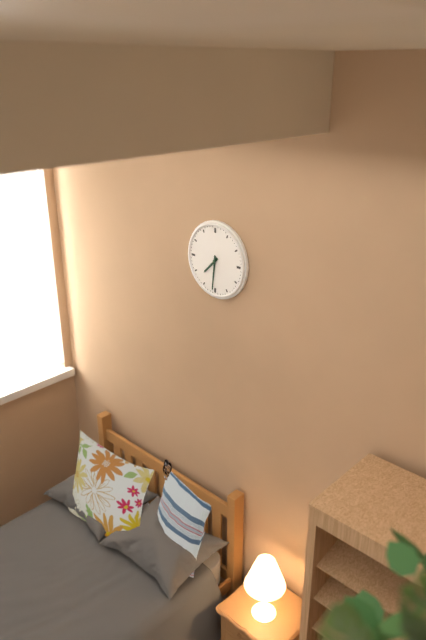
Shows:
{"hour": 7, "minute": 31}
